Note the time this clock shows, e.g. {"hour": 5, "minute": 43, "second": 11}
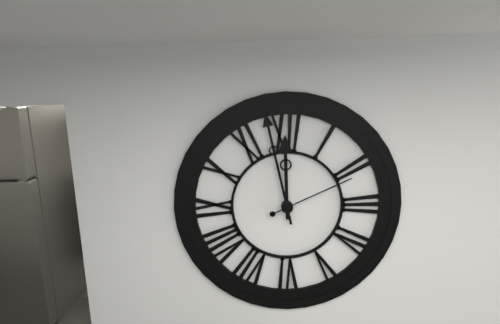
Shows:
{"hour": 11, "minute": 58, "second": 11}
